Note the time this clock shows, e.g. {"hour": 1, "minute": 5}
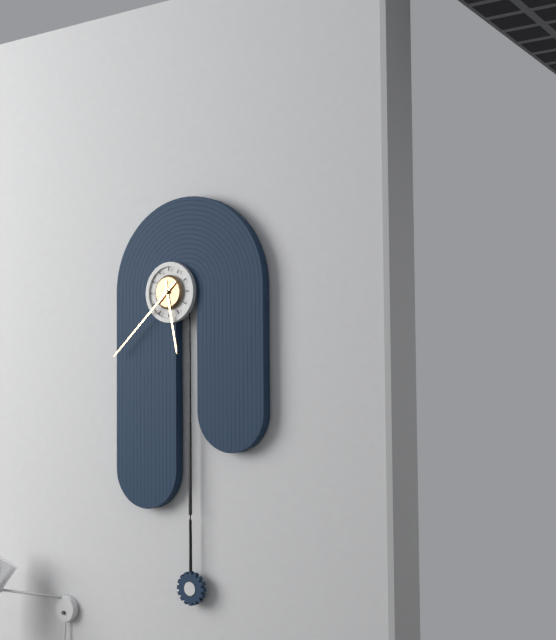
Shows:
{"hour": 5, "minute": 38}
